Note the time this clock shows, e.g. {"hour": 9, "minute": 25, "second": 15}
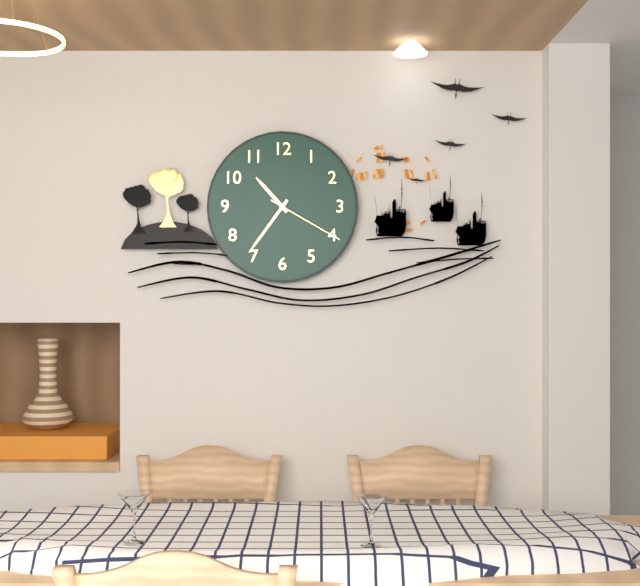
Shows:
{"hour": 10, "minute": 36, "second": 20}
